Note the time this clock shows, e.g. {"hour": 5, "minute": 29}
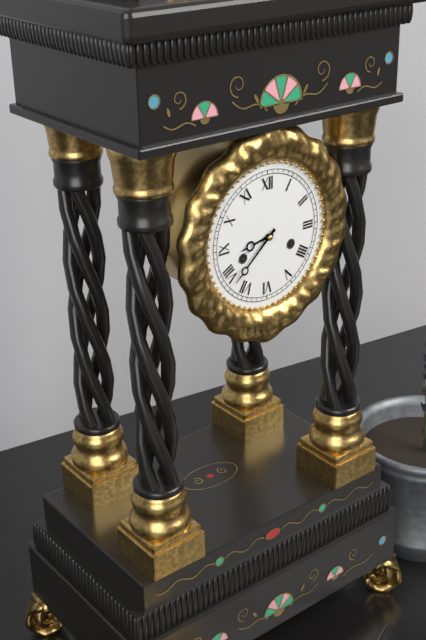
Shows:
{"hour": 8, "minute": 38}
